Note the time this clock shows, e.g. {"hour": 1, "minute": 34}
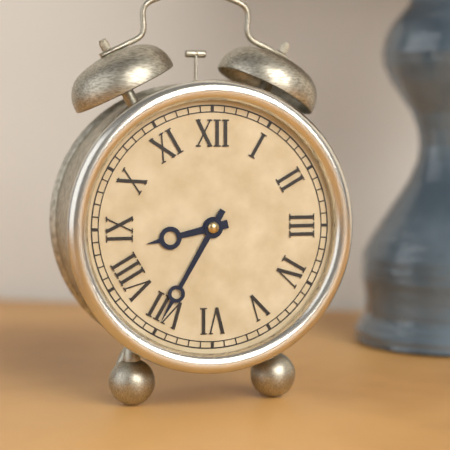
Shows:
{"hour": 8, "minute": 35}
